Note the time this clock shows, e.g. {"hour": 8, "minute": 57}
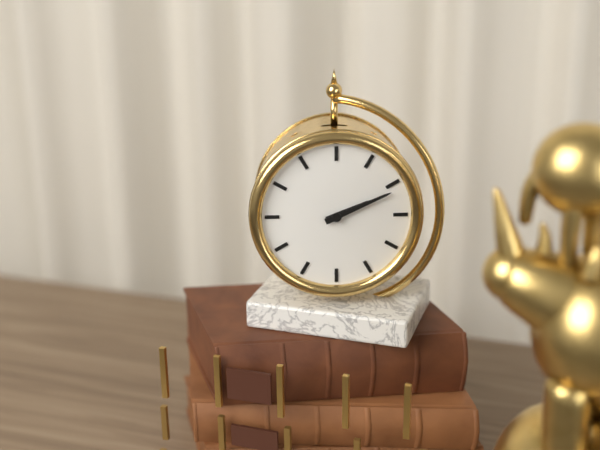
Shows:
{"hour": 2, "minute": 11}
